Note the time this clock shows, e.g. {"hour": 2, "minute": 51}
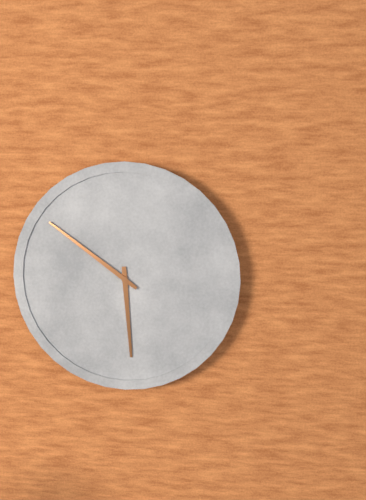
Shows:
{"hour": 5, "minute": 51}
